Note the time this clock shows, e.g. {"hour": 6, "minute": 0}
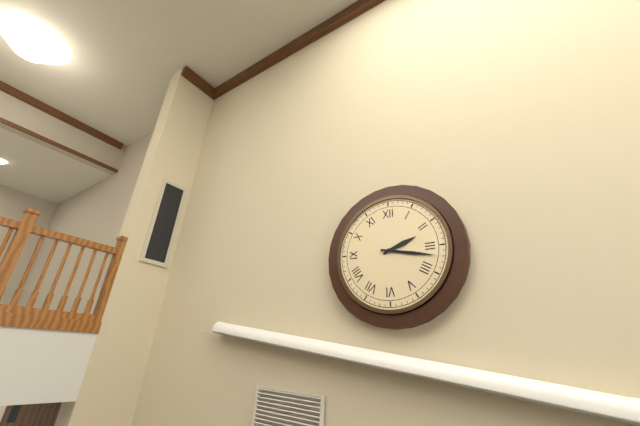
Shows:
{"hour": 2, "minute": 17}
